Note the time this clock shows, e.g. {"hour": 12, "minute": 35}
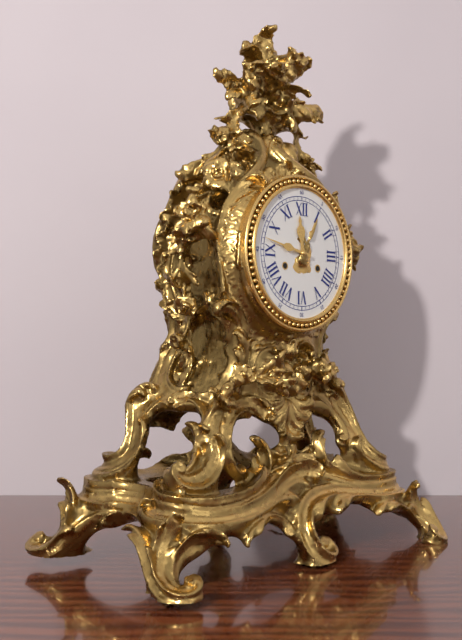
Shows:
{"hour": 11, "minute": 47}
